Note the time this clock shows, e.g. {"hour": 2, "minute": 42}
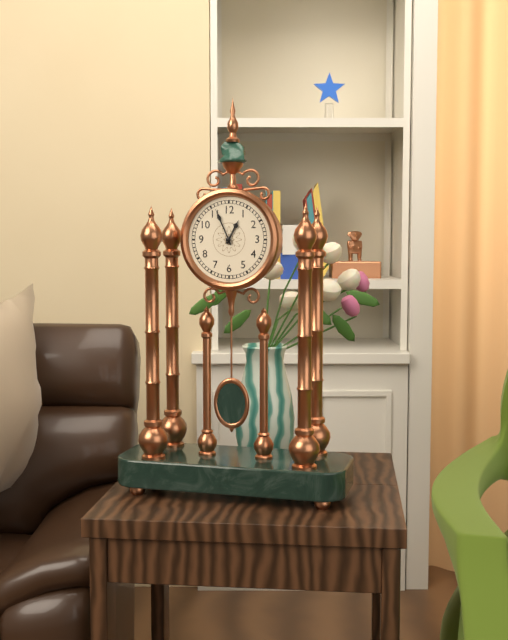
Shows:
{"hour": 12, "minute": 56}
